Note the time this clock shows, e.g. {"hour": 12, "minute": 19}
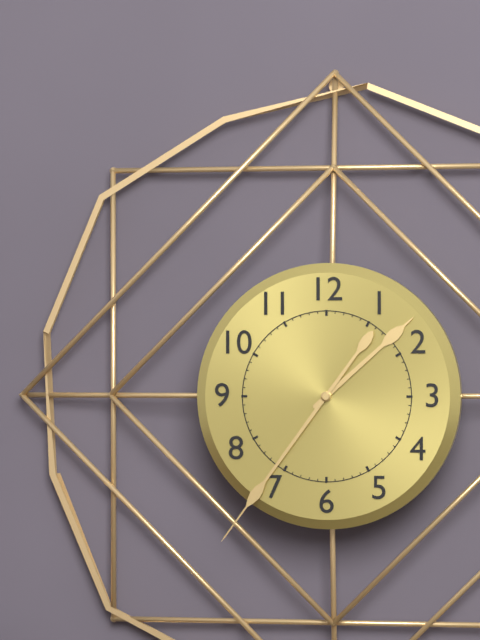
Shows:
{"hour": 1, "minute": 36}
